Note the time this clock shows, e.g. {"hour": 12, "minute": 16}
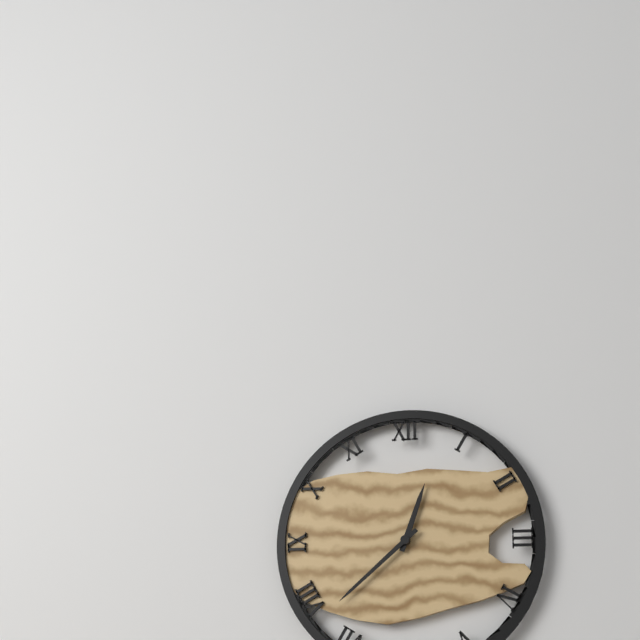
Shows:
{"hour": 12, "minute": 38}
